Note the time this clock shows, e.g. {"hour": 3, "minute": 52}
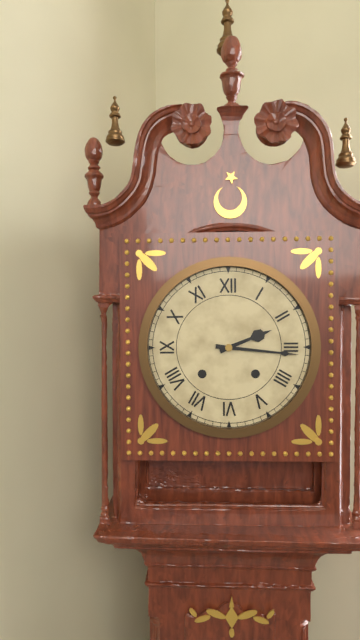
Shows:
{"hour": 2, "minute": 16}
